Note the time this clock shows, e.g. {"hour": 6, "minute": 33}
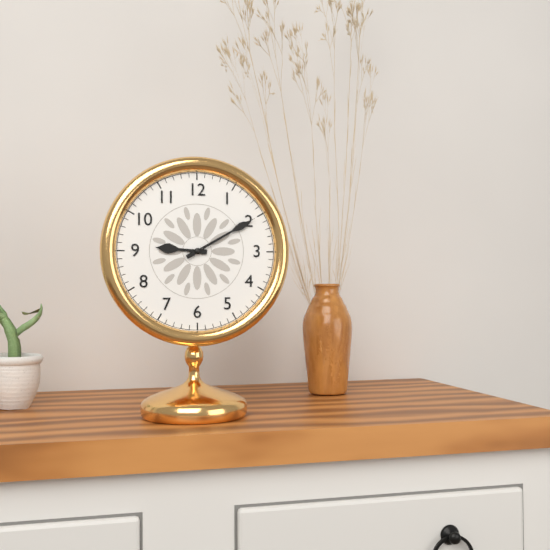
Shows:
{"hour": 9, "minute": 10}
